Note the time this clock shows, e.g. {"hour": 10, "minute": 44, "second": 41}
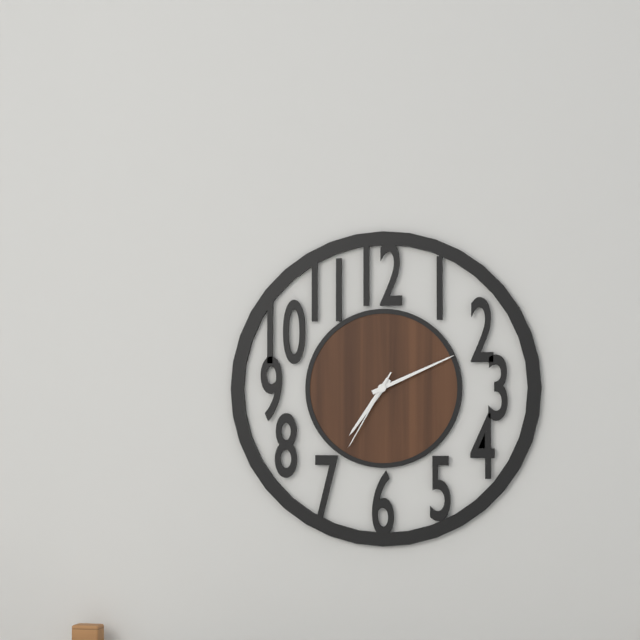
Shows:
{"hour": 7, "minute": 11, "second": 35}
